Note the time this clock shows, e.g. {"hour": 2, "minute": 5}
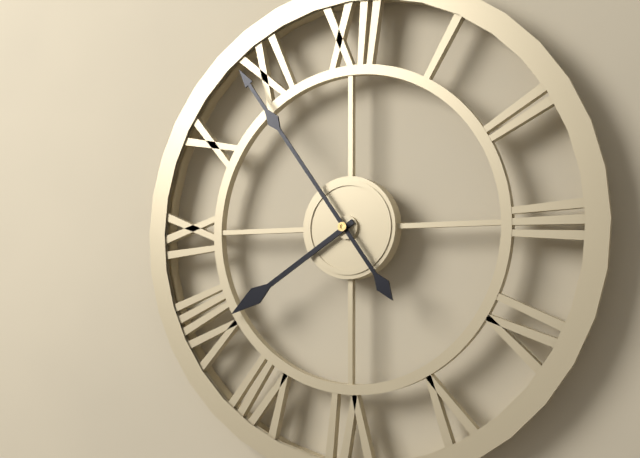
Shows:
{"hour": 7, "minute": 54}
